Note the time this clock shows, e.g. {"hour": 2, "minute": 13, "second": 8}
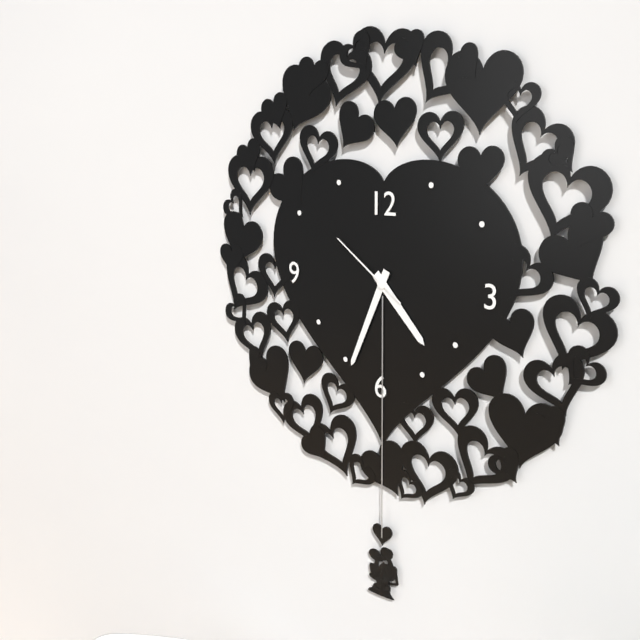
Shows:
{"hour": 4, "minute": 34, "second": 51}
